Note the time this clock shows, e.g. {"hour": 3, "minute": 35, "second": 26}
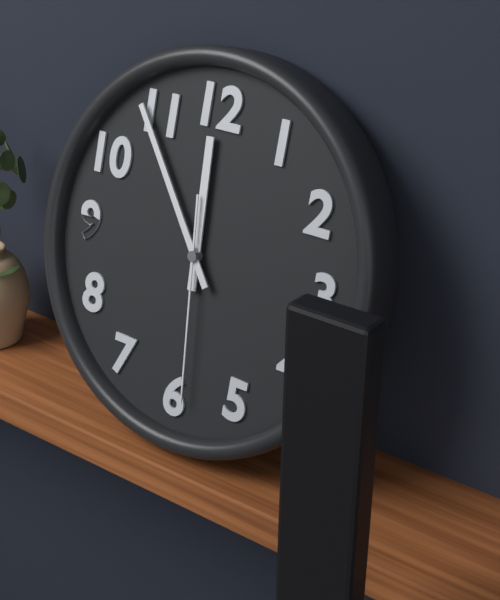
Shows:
{"hour": 11, "minute": 54, "second": 29}
